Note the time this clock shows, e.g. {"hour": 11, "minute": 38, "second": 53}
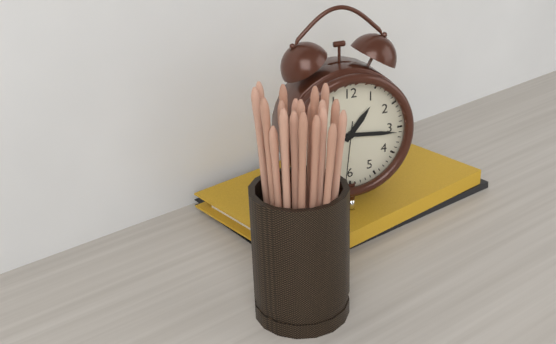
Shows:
{"hour": 1, "minute": 16, "second": 31}
